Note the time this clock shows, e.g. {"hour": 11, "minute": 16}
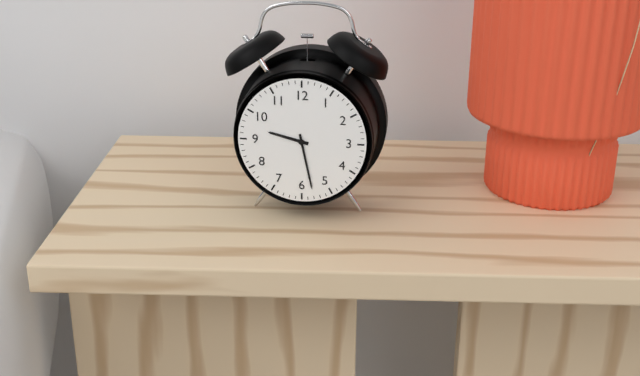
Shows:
{"hour": 9, "minute": 28}
